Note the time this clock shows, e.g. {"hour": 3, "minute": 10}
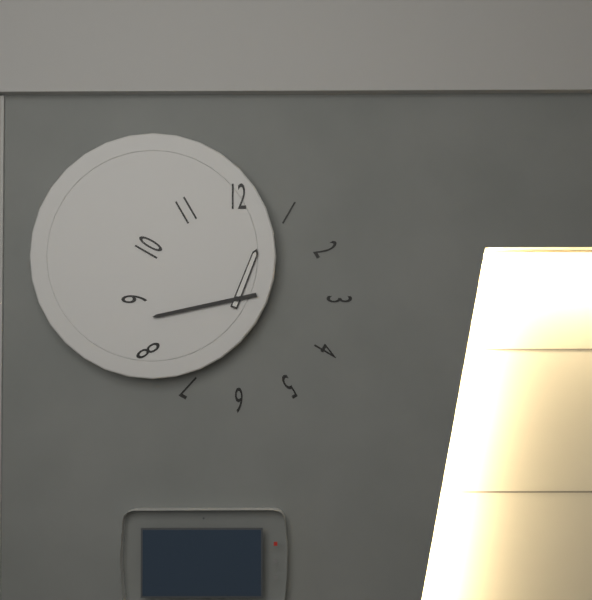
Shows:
{"hour": 12, "minute": 43}
